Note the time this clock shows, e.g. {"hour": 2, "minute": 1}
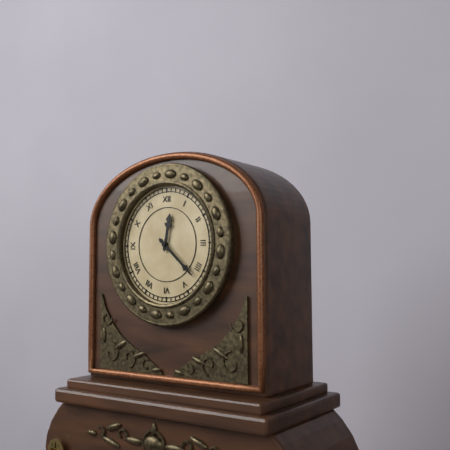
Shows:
{"hour": 12, "minute": 22}
